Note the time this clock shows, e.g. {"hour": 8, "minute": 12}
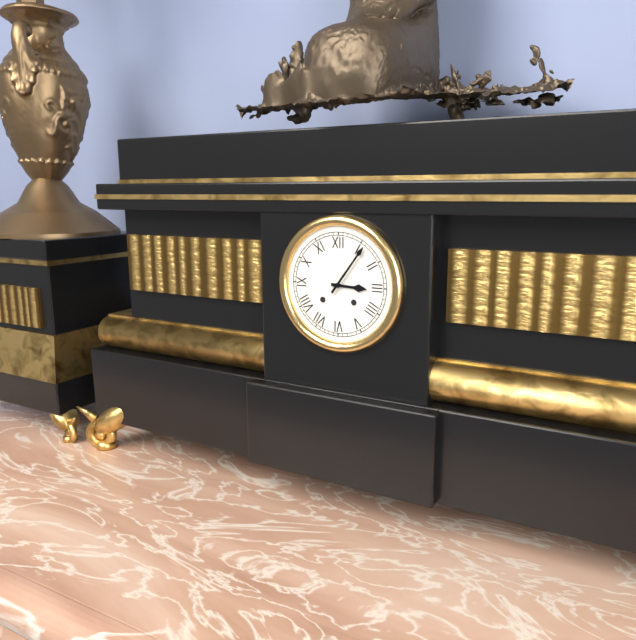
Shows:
{"hour": 3, "minute": 6}
